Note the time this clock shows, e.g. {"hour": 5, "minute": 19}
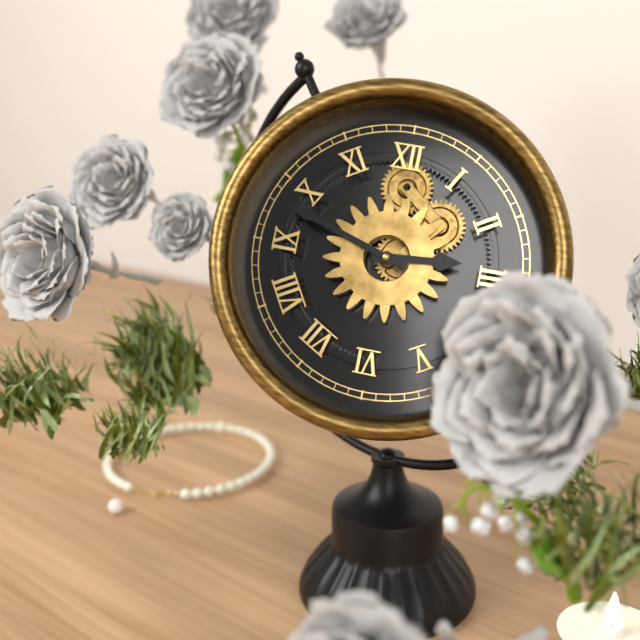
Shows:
{"hour": 2, "minute": 48}
